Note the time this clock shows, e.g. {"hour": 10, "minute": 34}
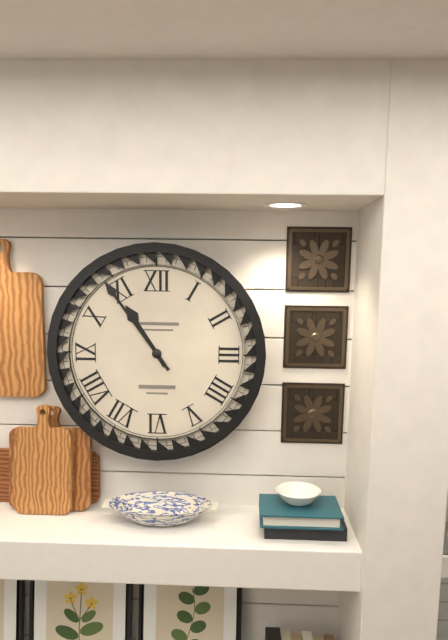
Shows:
{"hour": 10, "minute": 54}
